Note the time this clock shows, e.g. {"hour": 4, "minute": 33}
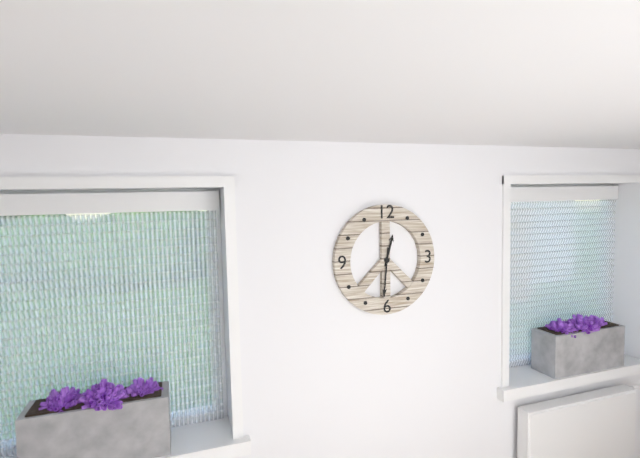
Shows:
{"hour": 12, "minute": 31}
